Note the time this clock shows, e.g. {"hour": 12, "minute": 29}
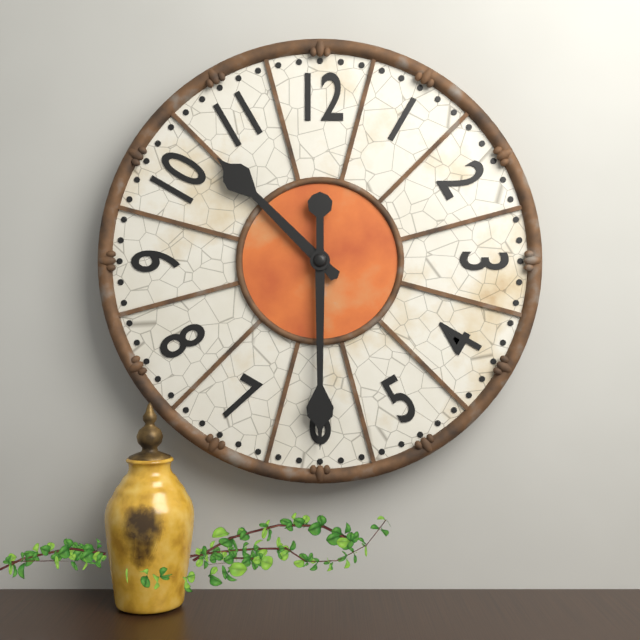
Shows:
{"hour": 10, "minute": 30}
